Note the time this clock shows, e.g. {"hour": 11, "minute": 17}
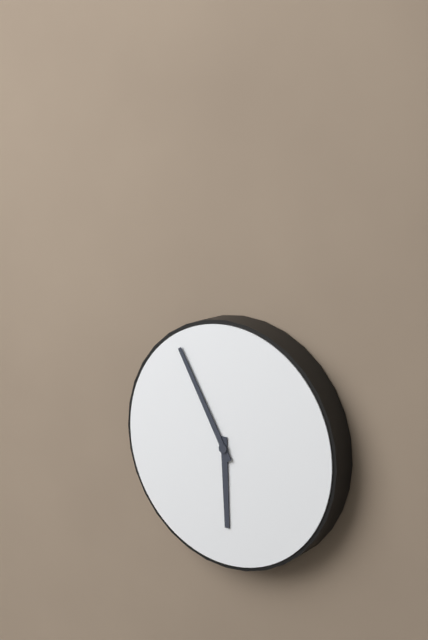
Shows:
{"hour": 5, "minute": 55}
